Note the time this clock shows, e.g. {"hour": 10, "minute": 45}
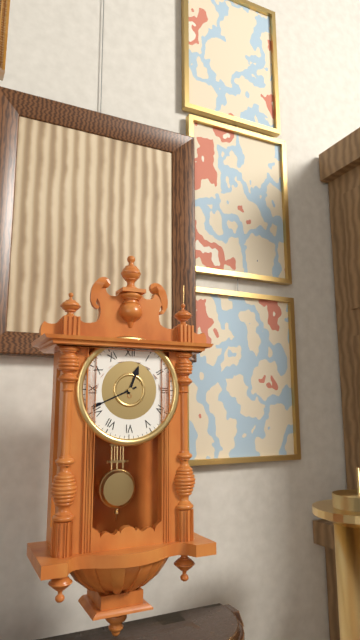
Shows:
{"hour": 12, "minute": 41}
